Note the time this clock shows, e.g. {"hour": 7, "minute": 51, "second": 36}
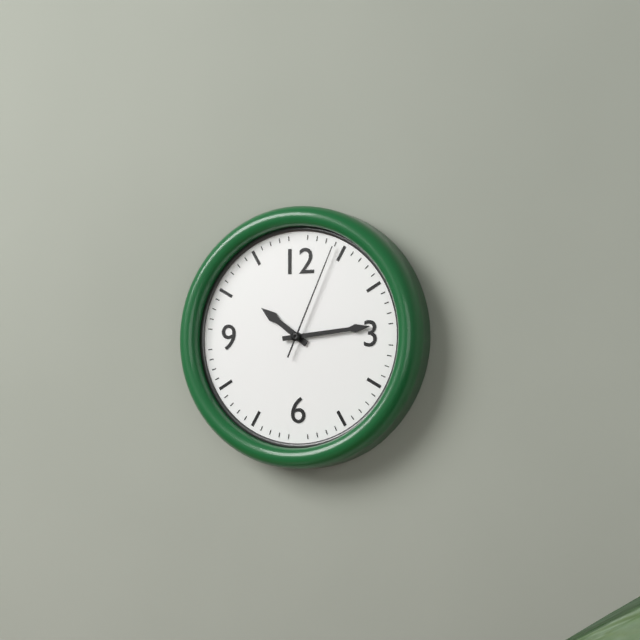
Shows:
{"hour": 10, "minute": 14, "second": 4}
